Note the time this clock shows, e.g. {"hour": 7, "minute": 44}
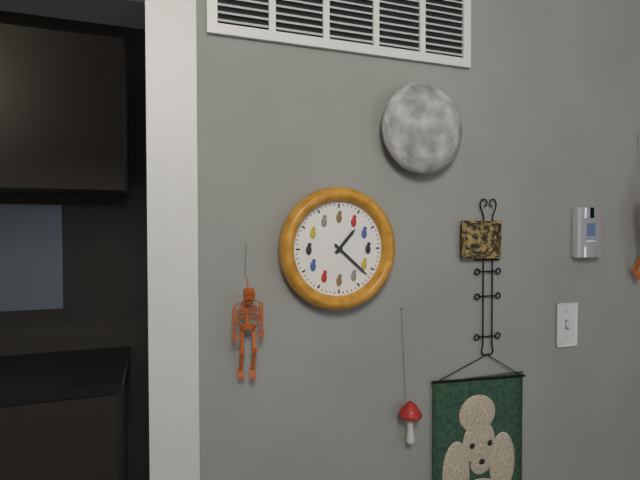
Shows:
{"hour": 1, "minute": 22}
